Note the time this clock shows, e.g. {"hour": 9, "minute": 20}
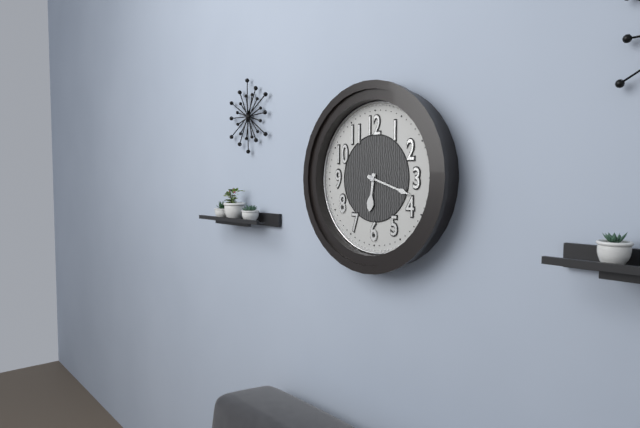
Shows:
{"hour": 6, "minute": 18}
